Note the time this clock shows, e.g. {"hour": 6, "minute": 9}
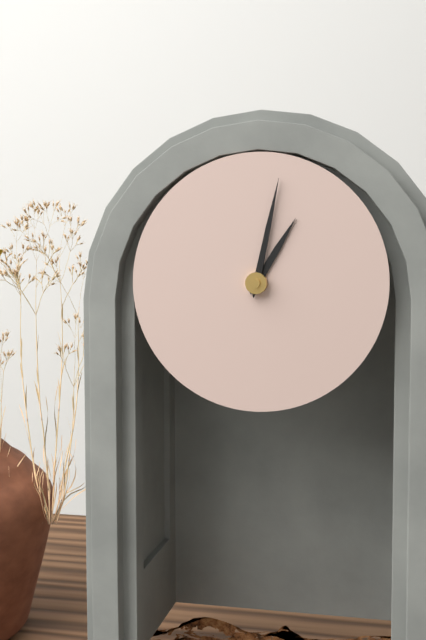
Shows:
{"hour": 1, "minute": 2}
